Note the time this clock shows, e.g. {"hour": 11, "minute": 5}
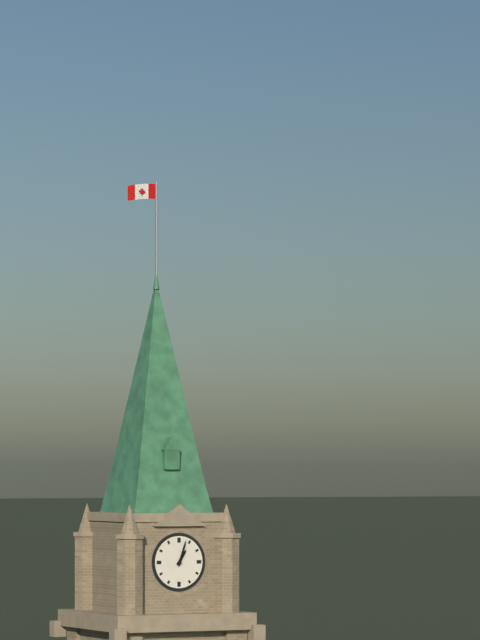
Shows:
{"hour": 1, "minute": 3}
